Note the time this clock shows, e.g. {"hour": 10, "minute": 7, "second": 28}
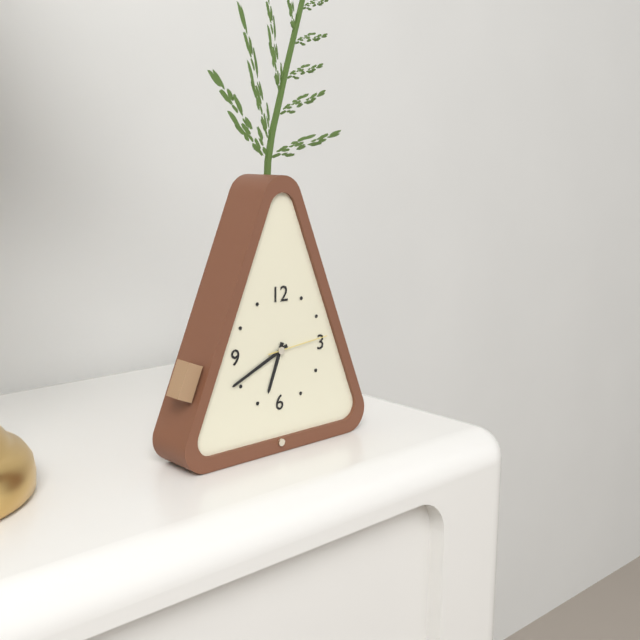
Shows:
{"hour": 6, "minute": 41, "second": 14}
